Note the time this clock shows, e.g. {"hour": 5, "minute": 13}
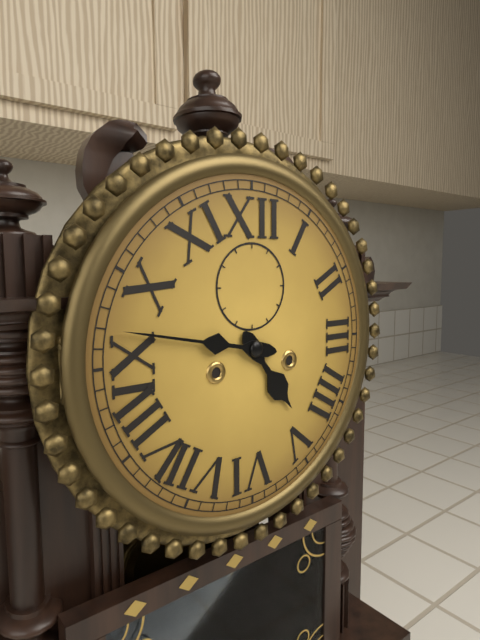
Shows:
{"hour": 4, "minute": 47}
